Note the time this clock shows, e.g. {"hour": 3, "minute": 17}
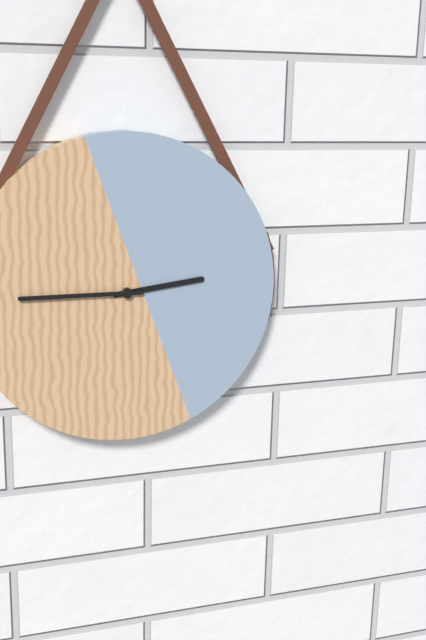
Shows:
{"hour": 2, "minute": 45}
